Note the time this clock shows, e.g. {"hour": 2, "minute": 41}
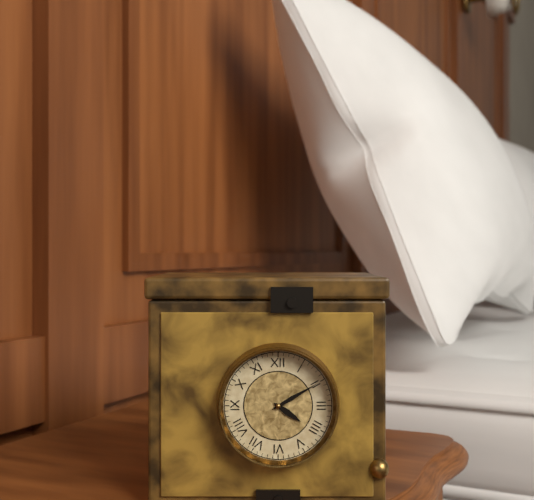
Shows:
{"hour": 4, "minute": 10}
